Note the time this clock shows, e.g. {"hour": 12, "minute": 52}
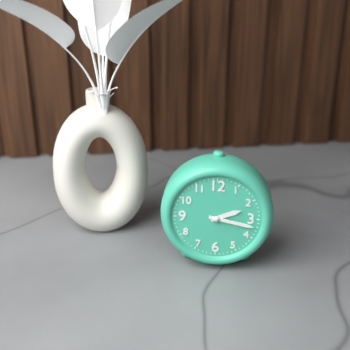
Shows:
{"hour": 2, "minute": 17}
